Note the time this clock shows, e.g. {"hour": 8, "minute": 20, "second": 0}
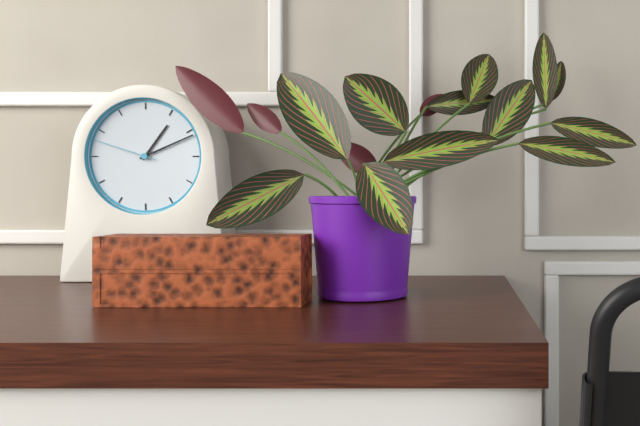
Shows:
{"hour": 1, "minute": 11, "second": 48}
